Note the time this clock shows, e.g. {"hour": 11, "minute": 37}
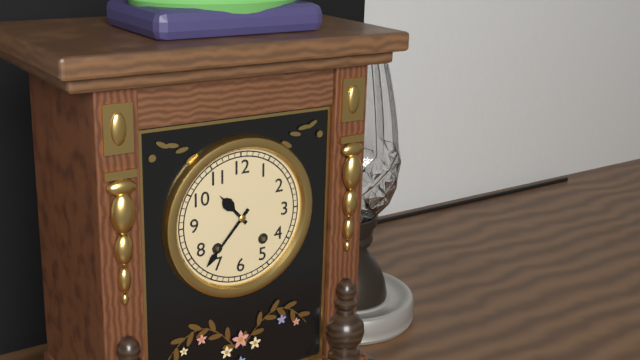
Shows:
{"hour": 10, "minute": 37}
